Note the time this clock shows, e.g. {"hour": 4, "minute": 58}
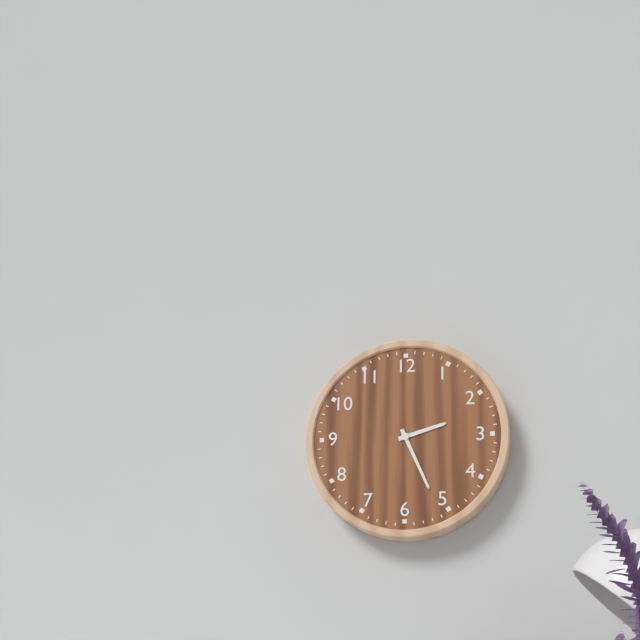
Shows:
{"hour": 2, "minute": 26}
